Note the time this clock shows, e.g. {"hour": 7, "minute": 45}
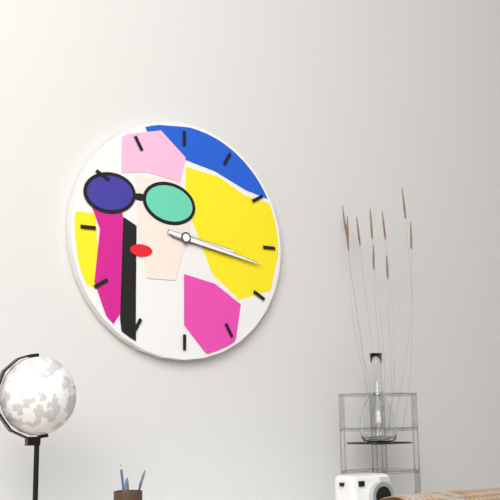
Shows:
{"hour": 3, "minute": 17}
